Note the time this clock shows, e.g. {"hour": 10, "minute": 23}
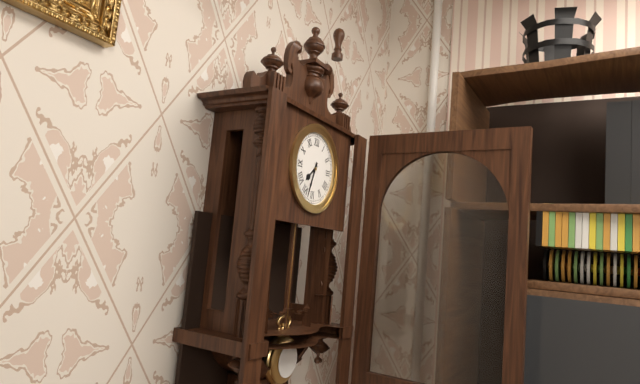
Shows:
{"hour": 7, "minute": 33}
